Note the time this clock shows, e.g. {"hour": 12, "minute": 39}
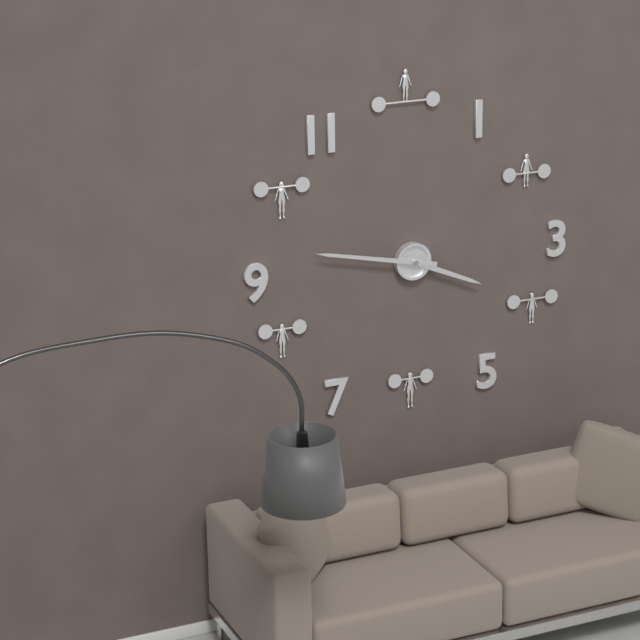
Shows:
{"hour": 3, "minute": 47}
